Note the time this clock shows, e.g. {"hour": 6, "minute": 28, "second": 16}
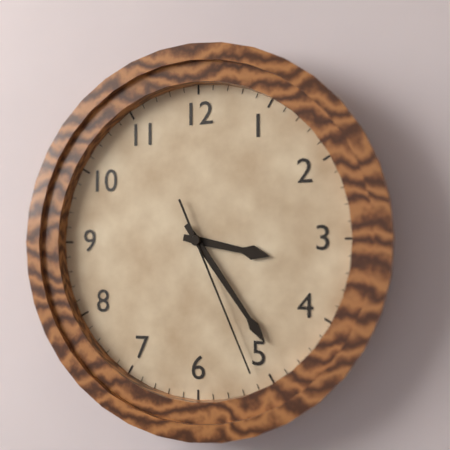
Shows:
{"hour": 3, "minute": 24, "second": 26}
